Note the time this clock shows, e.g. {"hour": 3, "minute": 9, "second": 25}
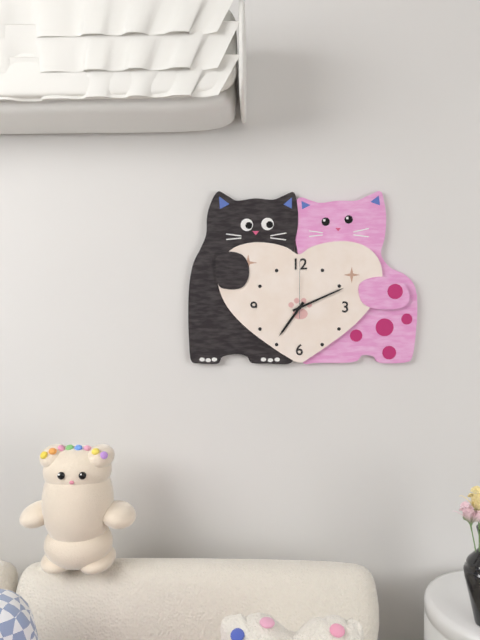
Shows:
{"hour": 7, "minute": 11, "second": 0}
